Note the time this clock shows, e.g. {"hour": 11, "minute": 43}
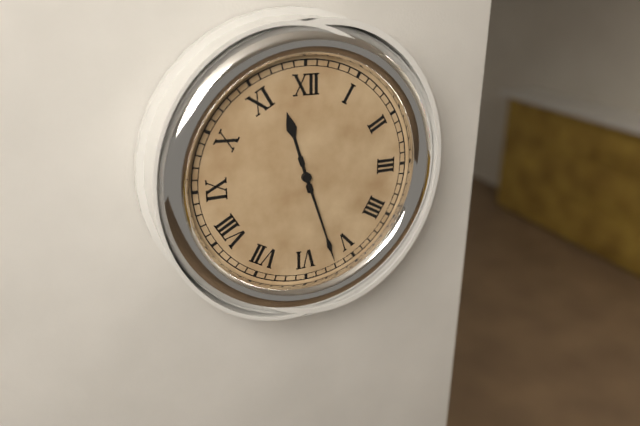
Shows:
{"hour": 11, "minute": 27}
